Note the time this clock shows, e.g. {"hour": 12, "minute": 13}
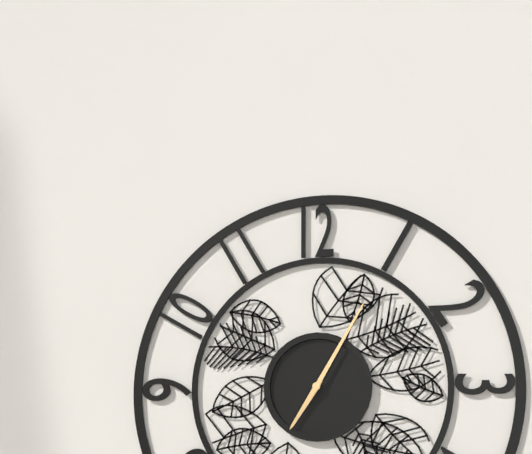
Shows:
{"hour": 7, "minute": 5}
